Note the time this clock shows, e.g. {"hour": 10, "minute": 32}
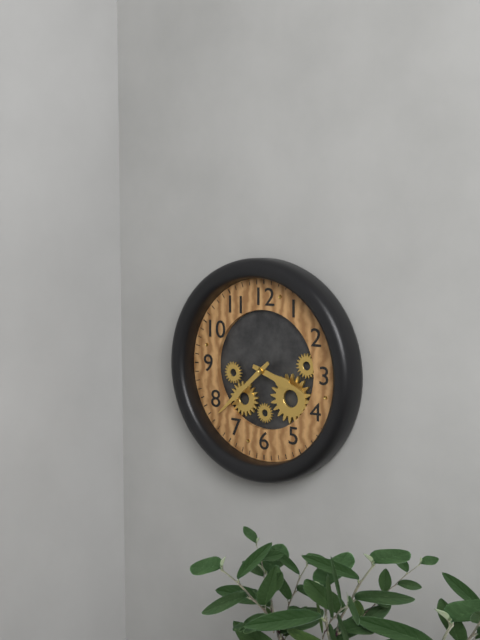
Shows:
{"hour": 3, "minute": 38}
